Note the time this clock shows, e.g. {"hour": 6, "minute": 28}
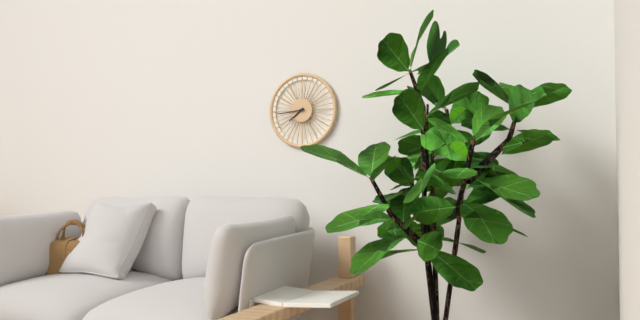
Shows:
{"hour": 7, "minute": 44}
